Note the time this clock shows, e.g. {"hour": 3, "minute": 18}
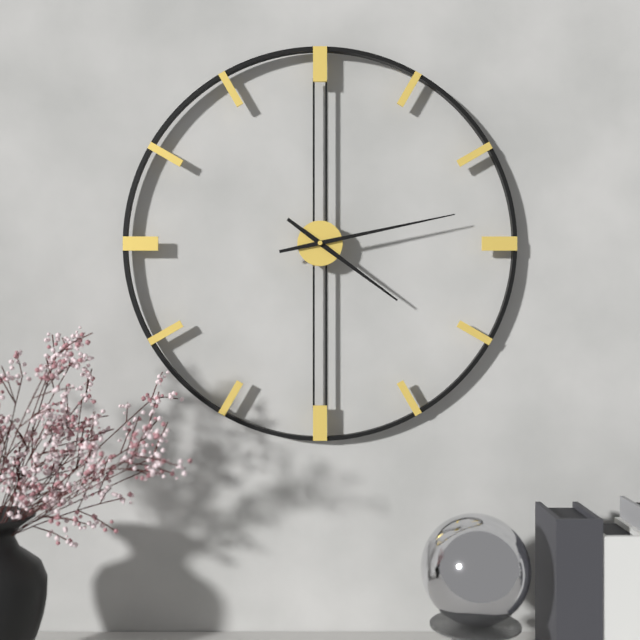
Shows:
{"hour": 4, "minute": 13}
